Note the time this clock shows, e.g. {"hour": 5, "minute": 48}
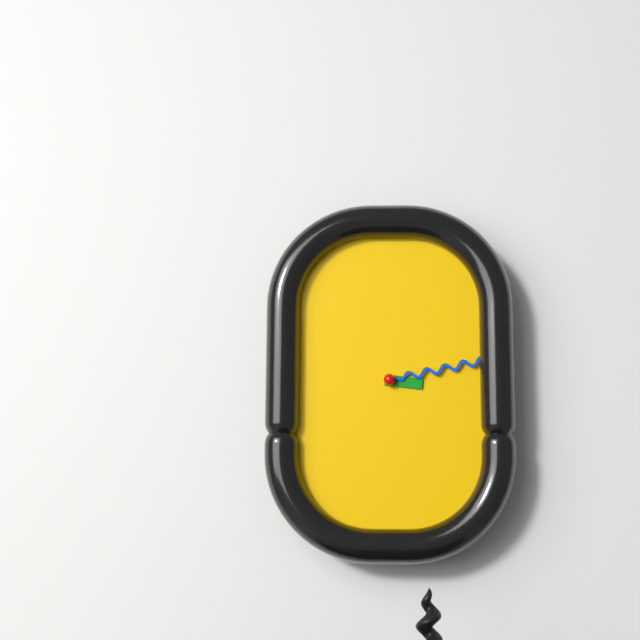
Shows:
{"hour": 3, "minute": 13}
